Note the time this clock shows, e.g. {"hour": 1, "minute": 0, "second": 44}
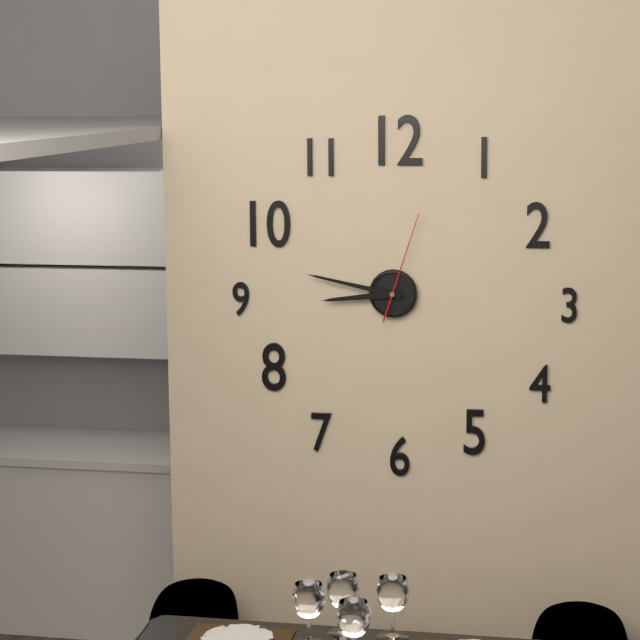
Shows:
{"hour": 8, "minute": 47, "second": 3}
